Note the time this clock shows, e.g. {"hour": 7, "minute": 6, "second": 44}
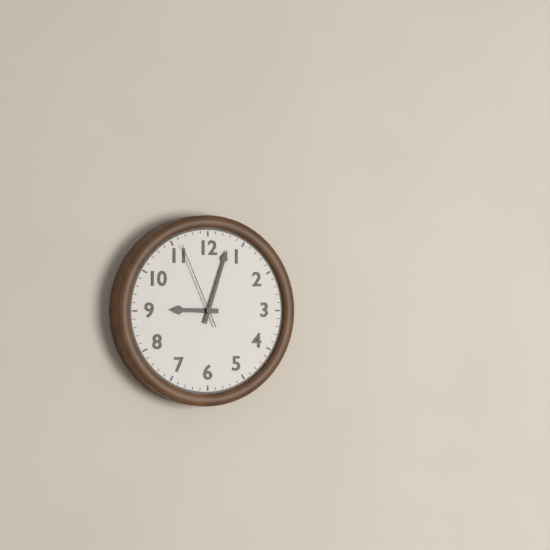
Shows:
{"hour": 9, "minute": 3, "second": 56}
